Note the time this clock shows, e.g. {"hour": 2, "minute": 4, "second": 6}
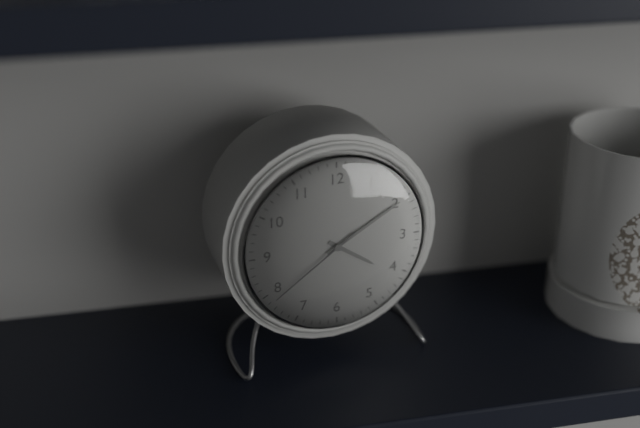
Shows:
{"hour": 4, "minute": 10, "second": 39}
